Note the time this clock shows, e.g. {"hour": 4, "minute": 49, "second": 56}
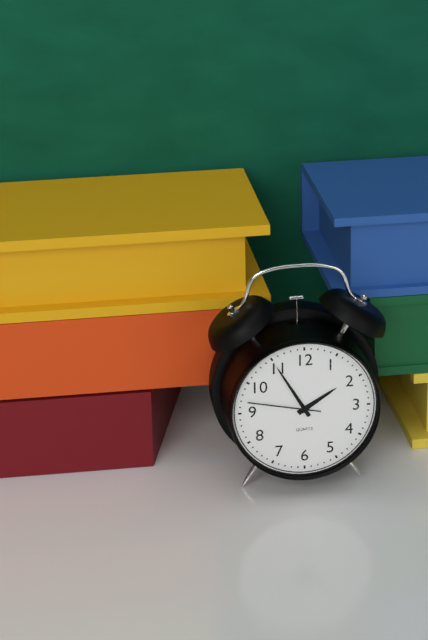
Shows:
{"hour": 1, "minute": 55, "second": 47}
